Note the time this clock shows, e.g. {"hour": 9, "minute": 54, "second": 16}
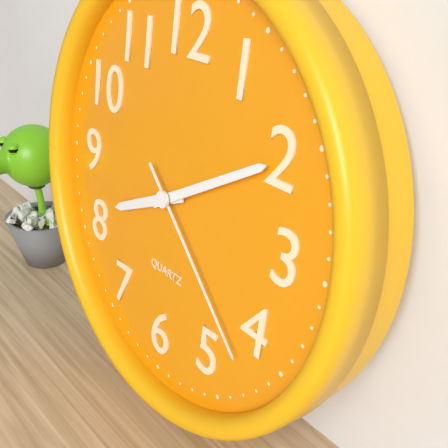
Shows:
{"hour": 8, "minute": 10, "second": 22}
